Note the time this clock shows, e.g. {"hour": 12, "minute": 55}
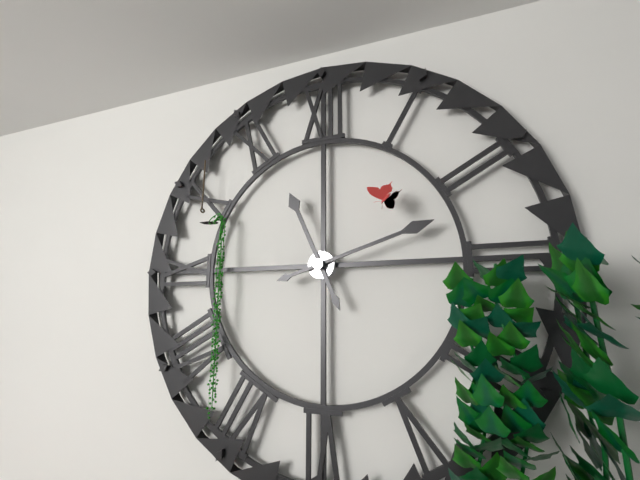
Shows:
{"hour": 11, "minute": 12}
